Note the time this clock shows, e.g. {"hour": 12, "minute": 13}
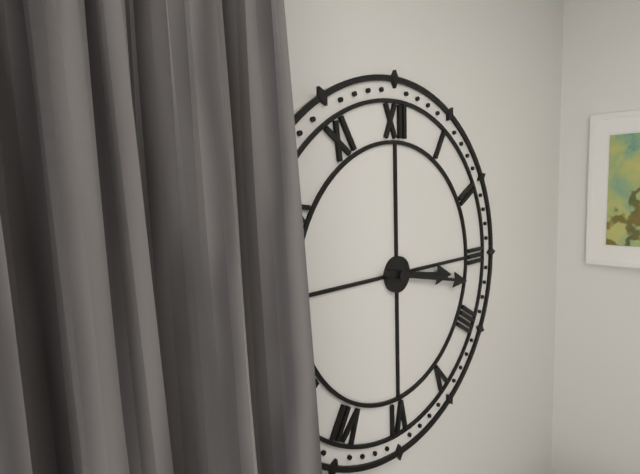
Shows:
{"hour": 3, "minute": 17}
